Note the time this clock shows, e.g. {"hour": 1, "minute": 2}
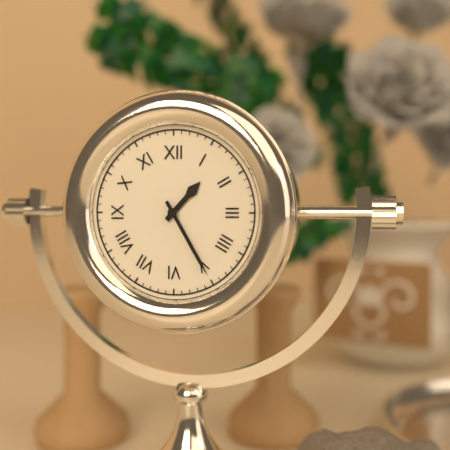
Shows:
{"hour": 1, "minute": 25}
